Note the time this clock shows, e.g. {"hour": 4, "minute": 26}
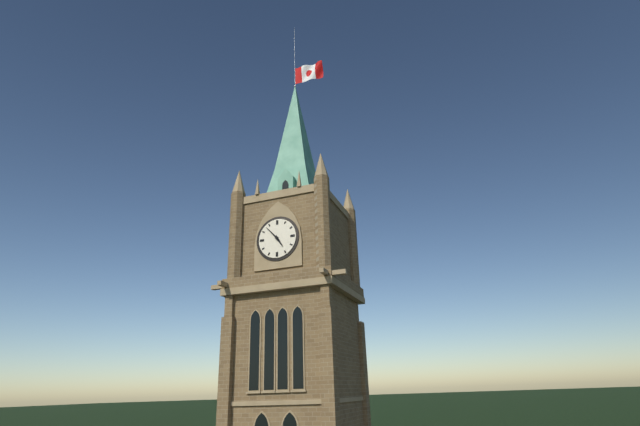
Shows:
{"hour": 4, "minute": 53}
